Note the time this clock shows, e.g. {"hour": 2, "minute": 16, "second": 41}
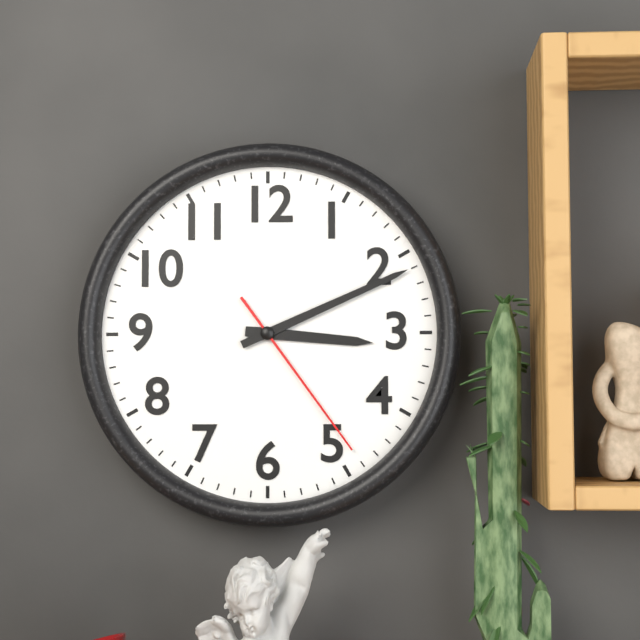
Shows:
{"hour": 3, "minute": 11, "second": 24}
